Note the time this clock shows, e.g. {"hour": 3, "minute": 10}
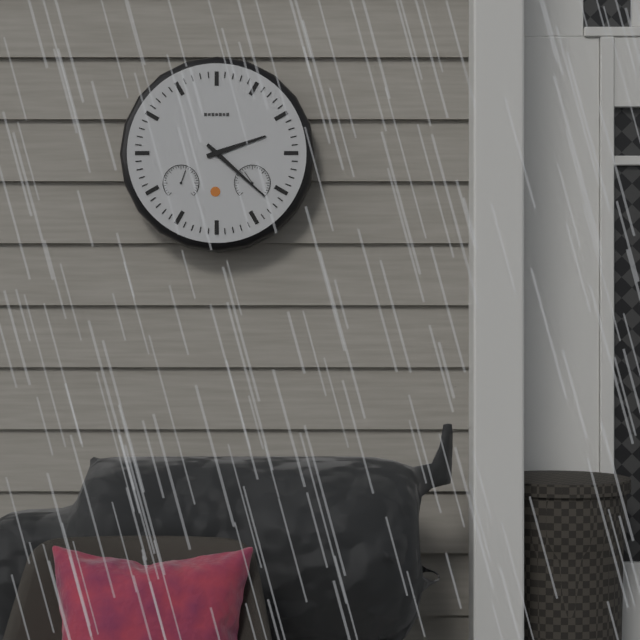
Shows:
{"hour": 2, "minute": 22}
